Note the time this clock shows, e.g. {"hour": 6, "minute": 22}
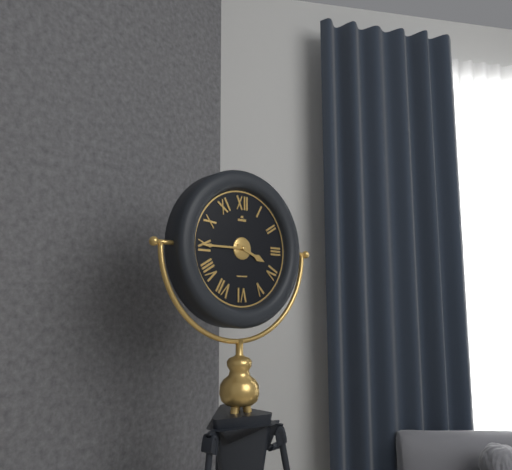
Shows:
{"hour": 3, "minute": 45}
